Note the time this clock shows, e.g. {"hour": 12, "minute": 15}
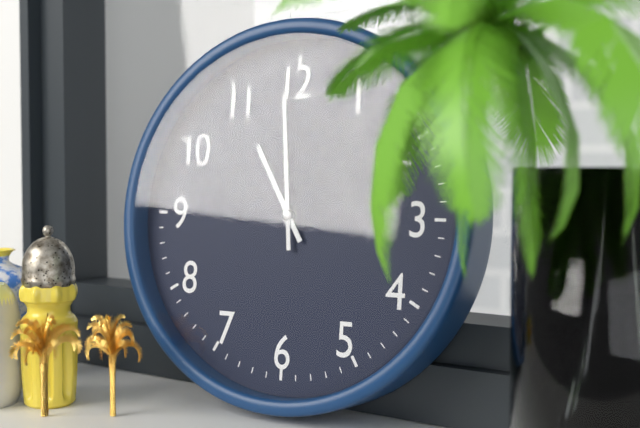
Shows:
{"hour": 10, "minute": 59}
